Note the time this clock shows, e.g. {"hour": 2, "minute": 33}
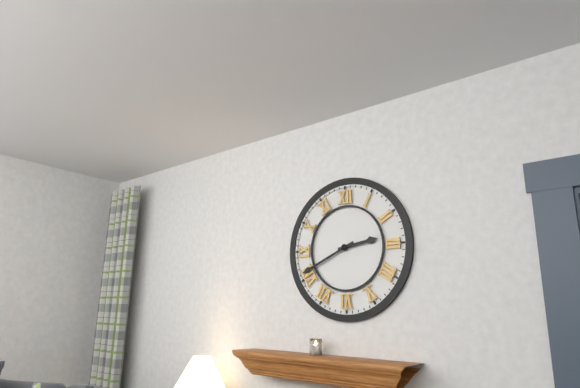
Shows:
{"hour": 2, "minute": 41}
